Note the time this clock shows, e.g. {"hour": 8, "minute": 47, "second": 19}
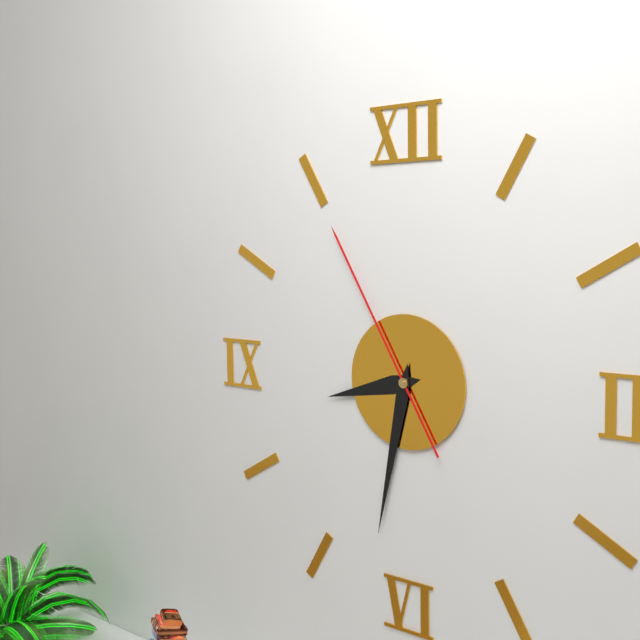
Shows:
{"hour": 8, "minute": 32, "second": 55}
